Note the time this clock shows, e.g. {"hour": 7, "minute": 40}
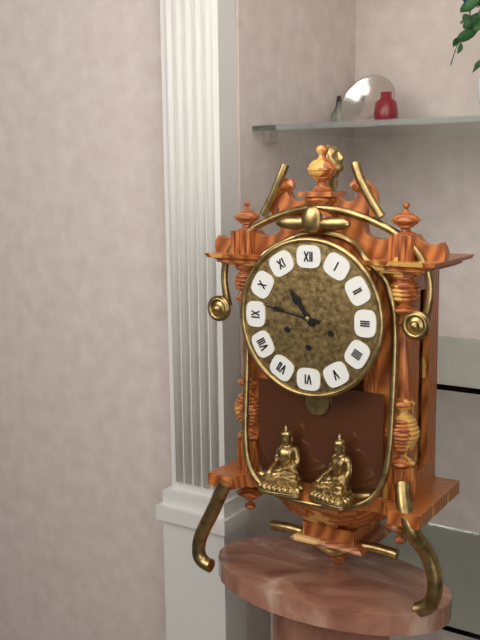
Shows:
{"hour": 10, "minute": 47}
